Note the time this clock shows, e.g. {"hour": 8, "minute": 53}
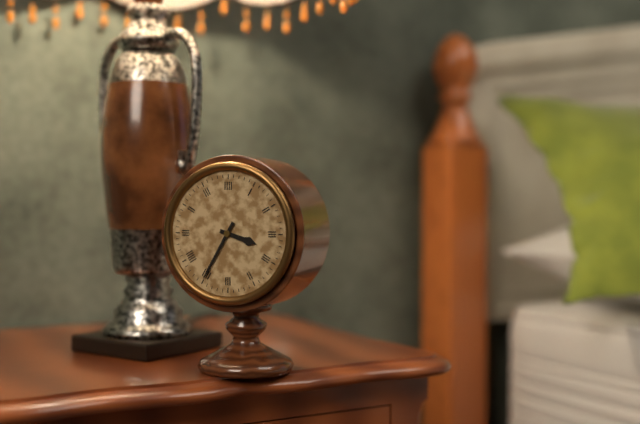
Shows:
{"hour": 3, "minute": 35}
